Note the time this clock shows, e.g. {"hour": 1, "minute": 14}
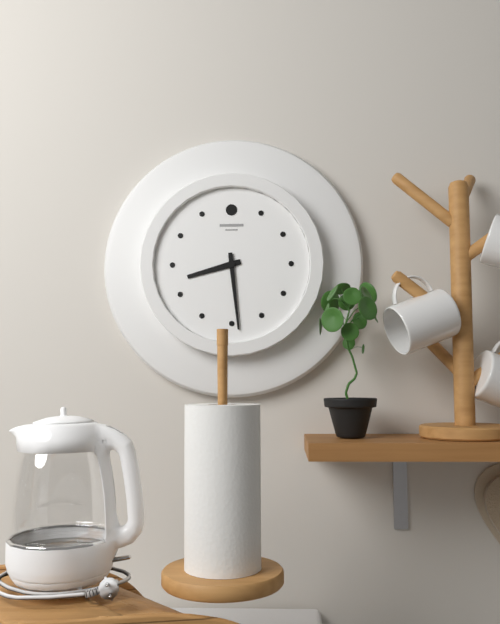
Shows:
{"hour": 8, "minute": 29}
